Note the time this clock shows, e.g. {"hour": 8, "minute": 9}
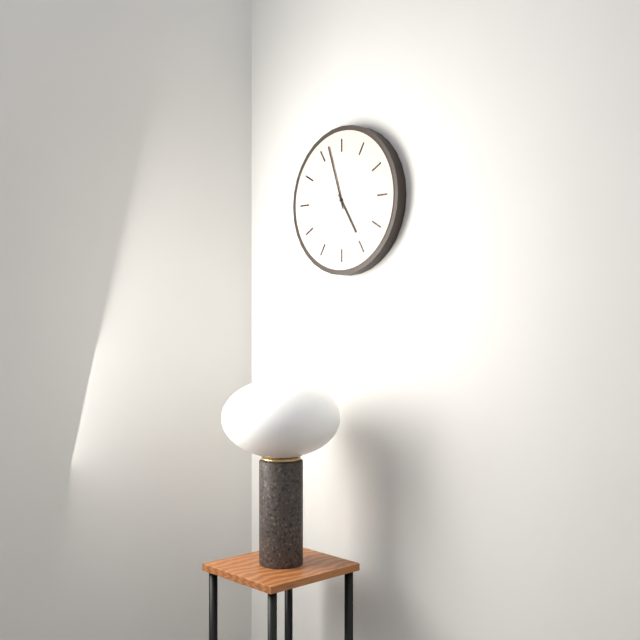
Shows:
{"hour": 4, "minute": 57}
